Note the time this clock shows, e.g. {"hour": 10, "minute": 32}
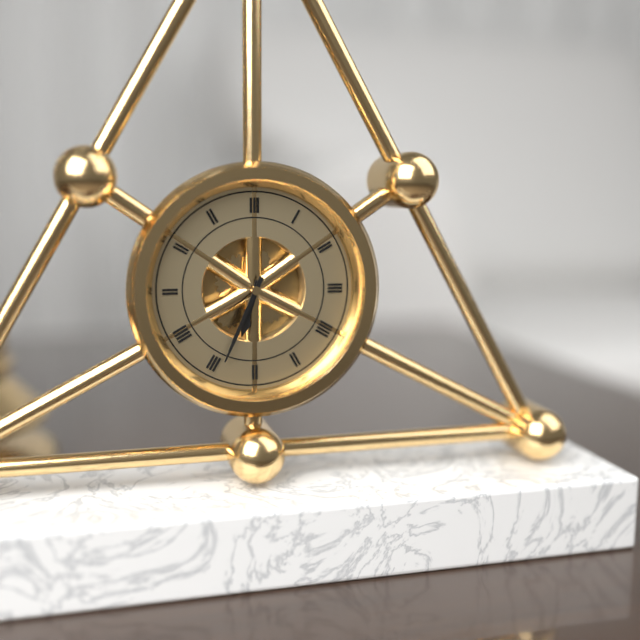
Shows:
{"hour": 6, "minute": 34}
